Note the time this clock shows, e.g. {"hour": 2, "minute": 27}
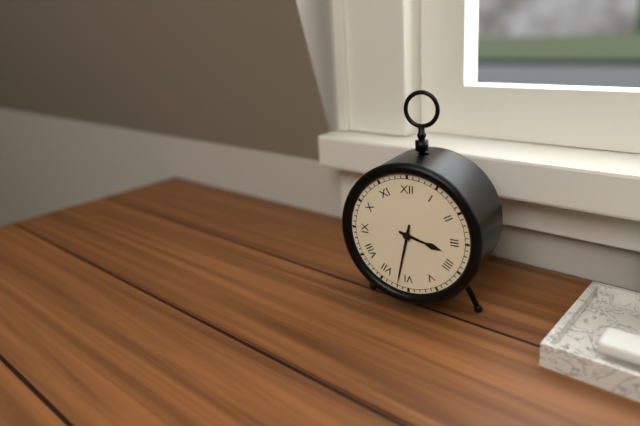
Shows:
{"hour": 3, "minute": 32}
